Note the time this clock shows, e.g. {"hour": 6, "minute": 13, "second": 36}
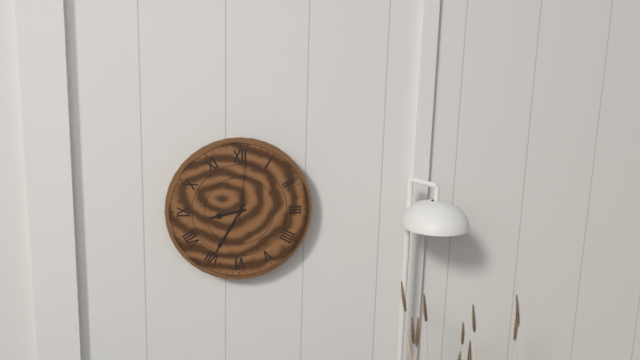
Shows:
{"hour": 8, "minute": 35, "second": 1}
